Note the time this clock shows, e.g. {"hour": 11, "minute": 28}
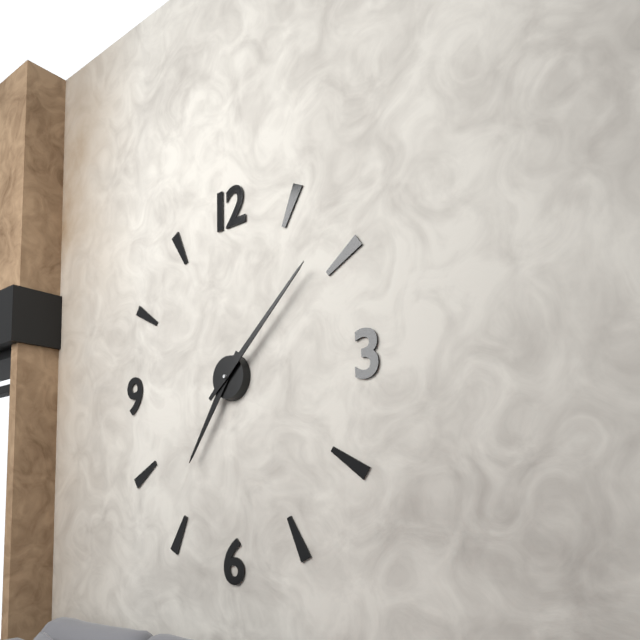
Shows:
{"hour": 7, "minute": 8}
